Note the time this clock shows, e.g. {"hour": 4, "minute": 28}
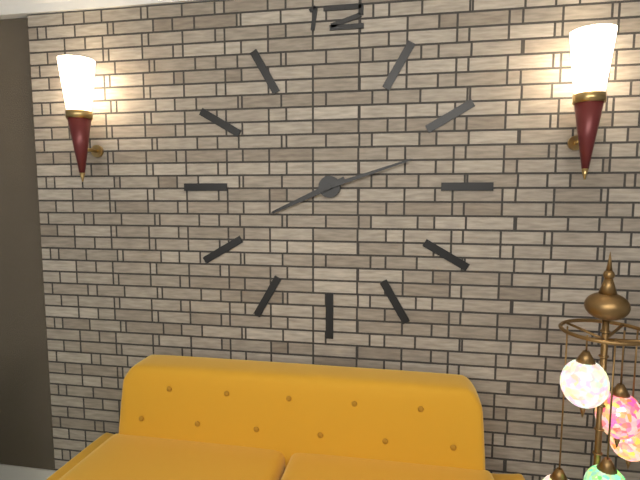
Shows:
{"hour": 8, "minute": 12}
